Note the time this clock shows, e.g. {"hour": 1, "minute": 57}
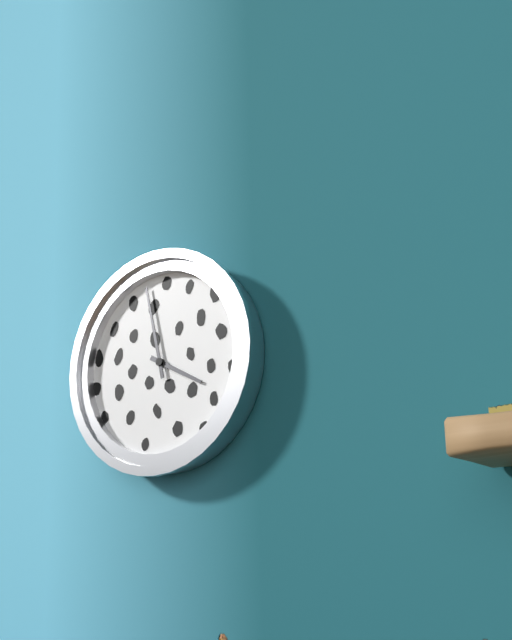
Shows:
{"hour": 3, "minute": 58}
